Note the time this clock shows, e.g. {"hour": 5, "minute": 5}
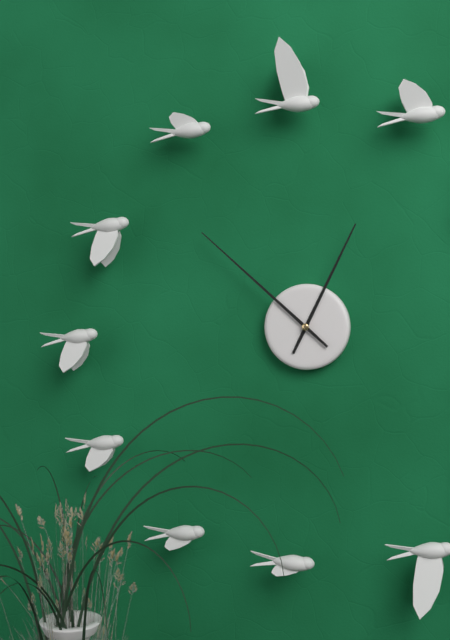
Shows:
{"hour": 12, "minute": 52}
